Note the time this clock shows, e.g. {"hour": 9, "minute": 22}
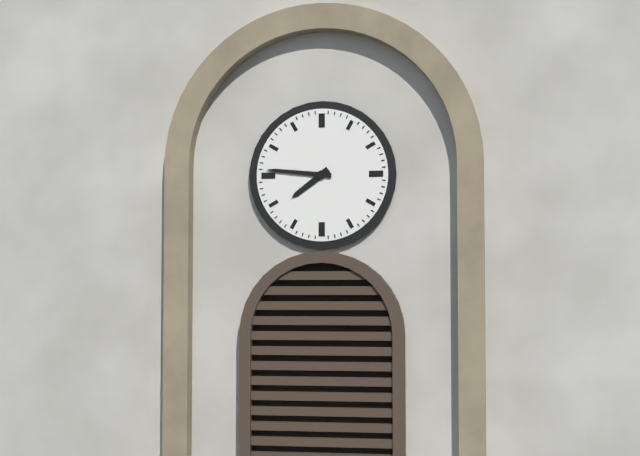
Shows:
{"hour": 7, "minute": 46}
